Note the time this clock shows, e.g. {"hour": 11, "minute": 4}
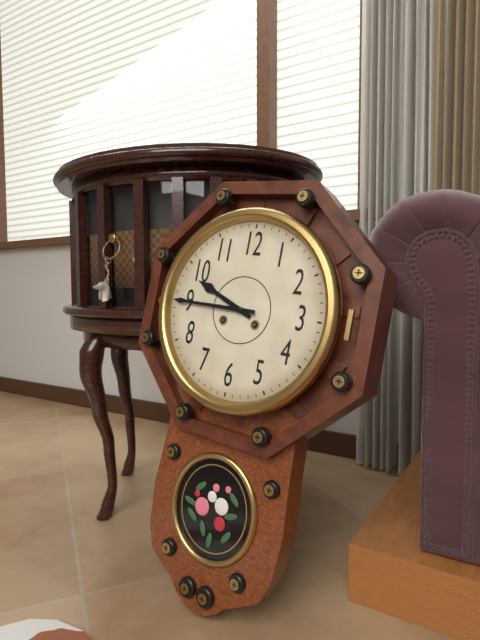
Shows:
{"hour": 9, "minute": 45}
